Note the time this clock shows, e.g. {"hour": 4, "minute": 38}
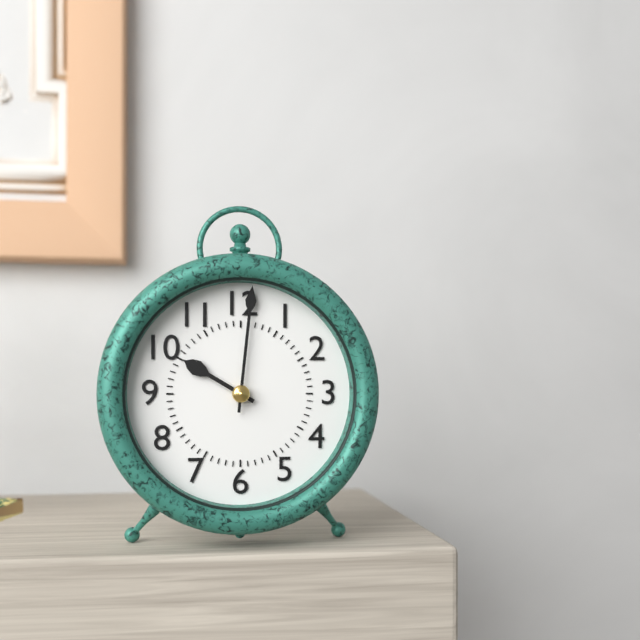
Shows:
{"hour": 10, "minute": 1}
